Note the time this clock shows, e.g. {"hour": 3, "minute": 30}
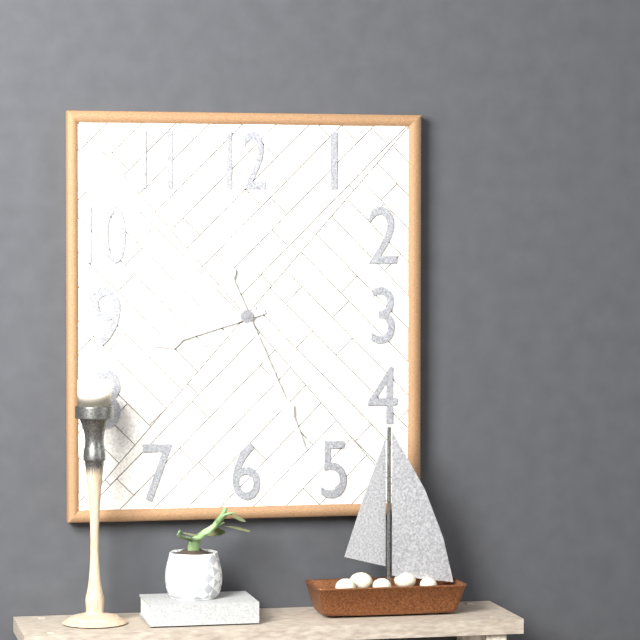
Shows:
{"hour": 8, "minute": 26}
